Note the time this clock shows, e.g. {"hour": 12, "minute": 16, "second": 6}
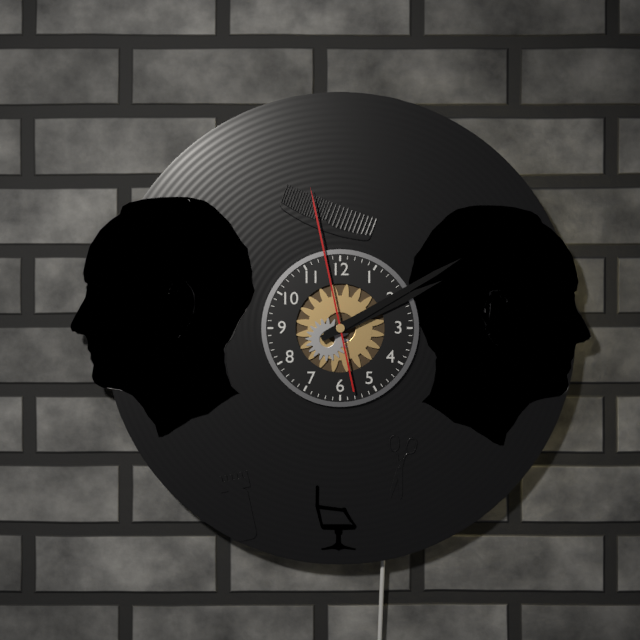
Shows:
{"hour": 2, "minute": 10, "second": 58}
